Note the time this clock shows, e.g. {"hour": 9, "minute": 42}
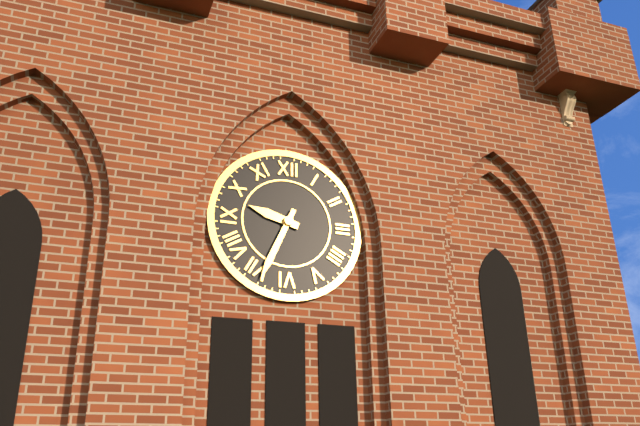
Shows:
{"hour": 9, "minute": 34}
